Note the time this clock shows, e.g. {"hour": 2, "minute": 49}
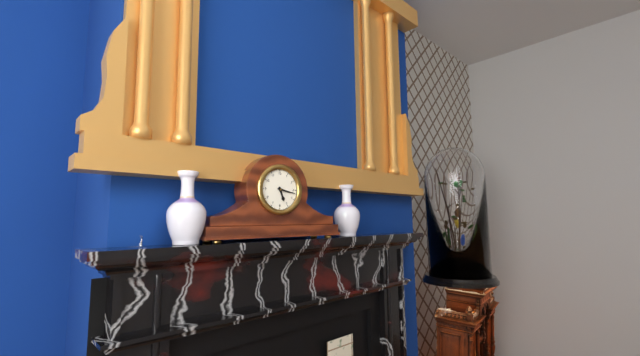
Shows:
{"hour": 5, "minute": 17}
